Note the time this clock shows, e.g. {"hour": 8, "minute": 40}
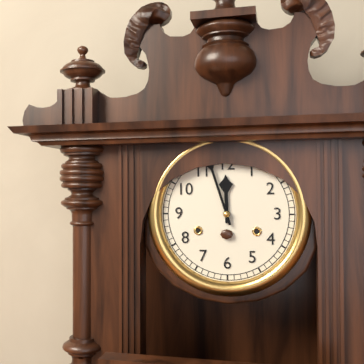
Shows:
{"hour": 11, "minute": 57}
